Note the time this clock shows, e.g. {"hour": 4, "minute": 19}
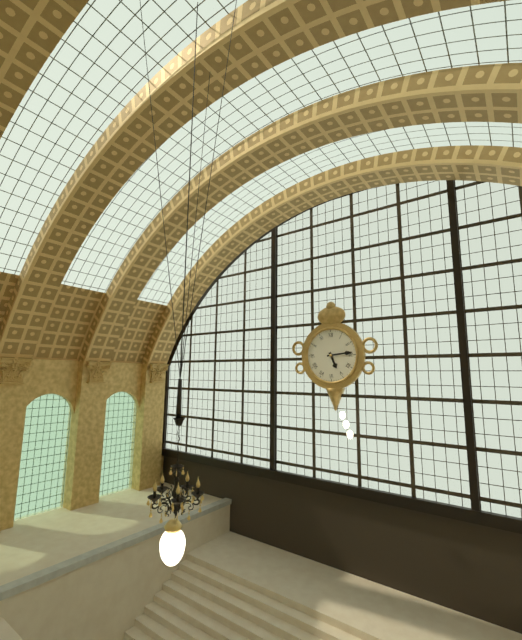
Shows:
{"hour": 5, "minute": 14}
